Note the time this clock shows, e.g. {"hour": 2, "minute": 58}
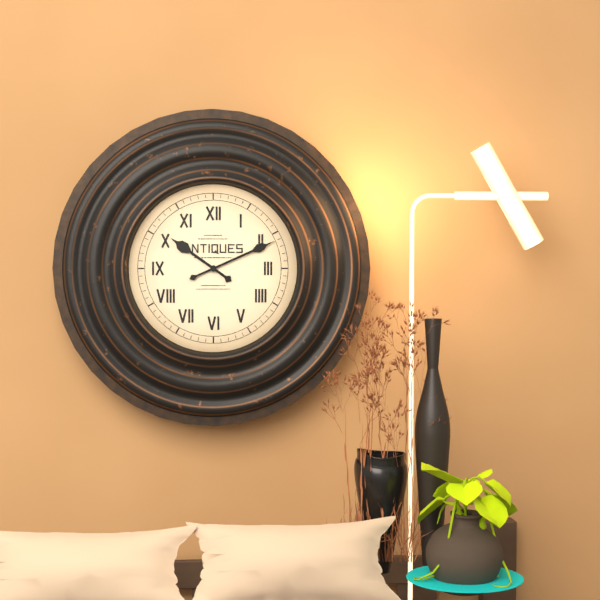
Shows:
{"hour": 10, "minute": 11}
